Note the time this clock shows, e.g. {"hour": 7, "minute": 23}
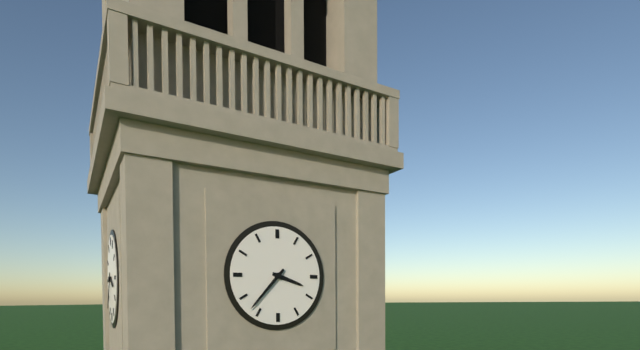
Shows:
{"hour": 3, "minute": 37}
